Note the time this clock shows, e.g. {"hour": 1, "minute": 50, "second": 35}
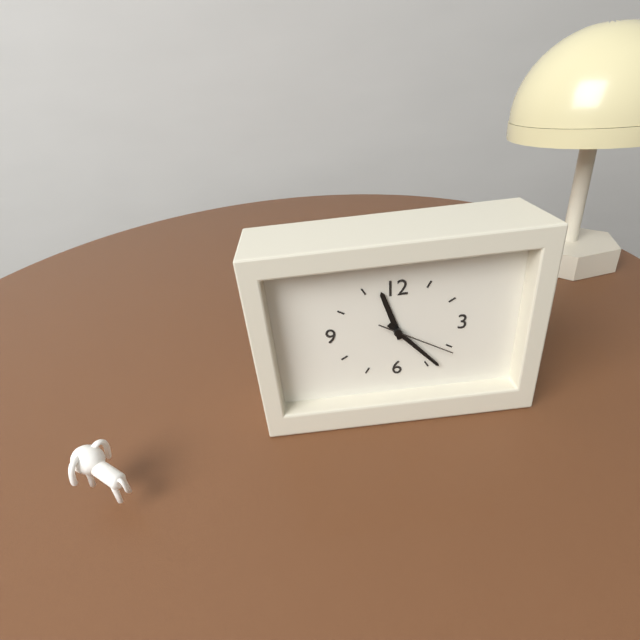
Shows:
{"hour": 11, "minute": 23, "second": 20}
